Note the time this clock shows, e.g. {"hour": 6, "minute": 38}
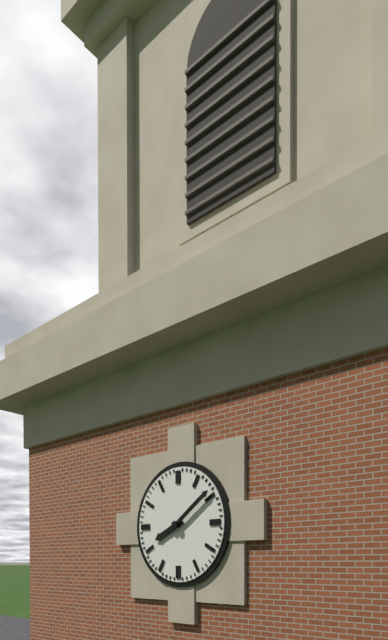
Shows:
{"hour": 8, "minute": 9}
